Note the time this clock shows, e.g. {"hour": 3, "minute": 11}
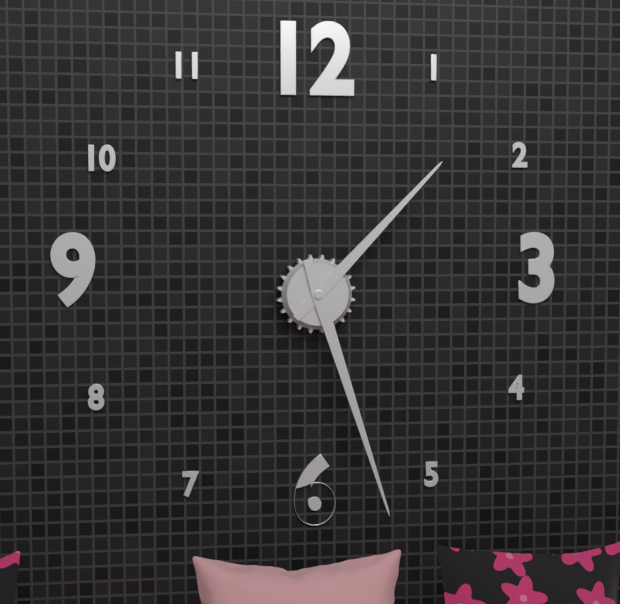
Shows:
{"hour": 1, "minute": 27}
